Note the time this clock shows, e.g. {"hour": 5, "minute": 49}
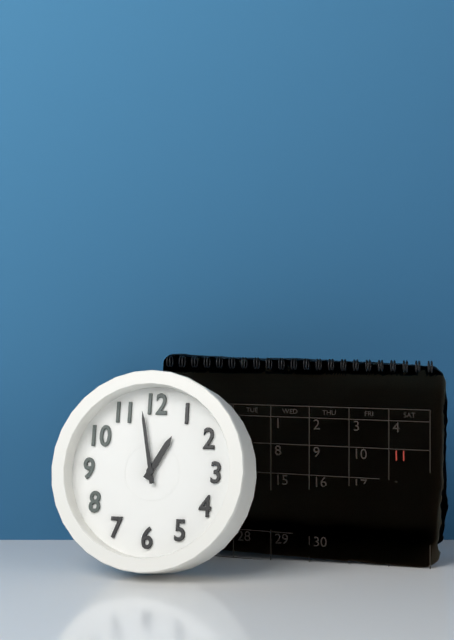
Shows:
{"hour": 12, "minute": 58}
